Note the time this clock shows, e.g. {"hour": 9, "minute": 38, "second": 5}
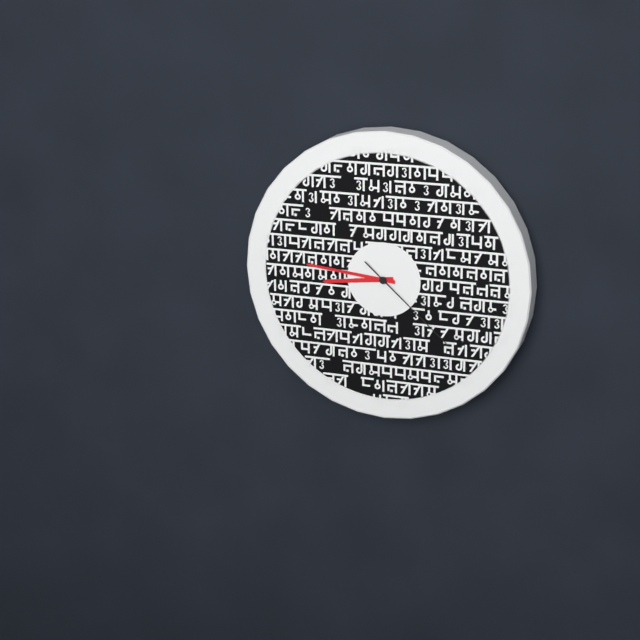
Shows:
{"hour": 8, "minute": 46, "second": 22}
